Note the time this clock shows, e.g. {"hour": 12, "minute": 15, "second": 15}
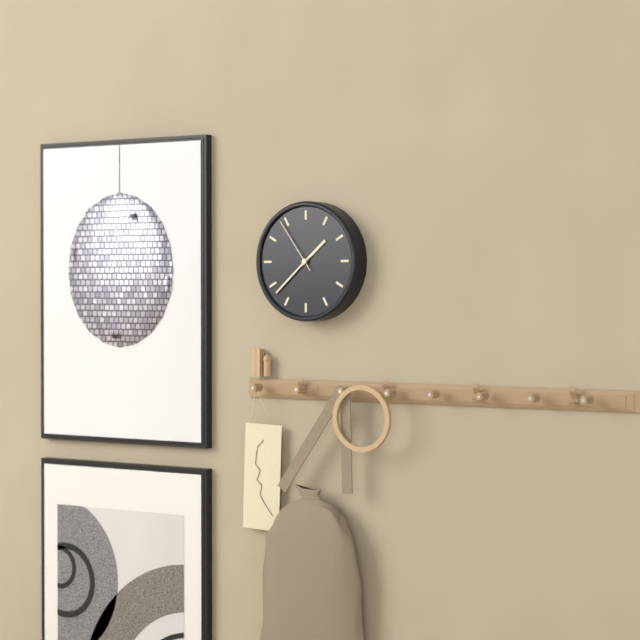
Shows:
{"hour": 1, "minute": 38, "second": 54}
